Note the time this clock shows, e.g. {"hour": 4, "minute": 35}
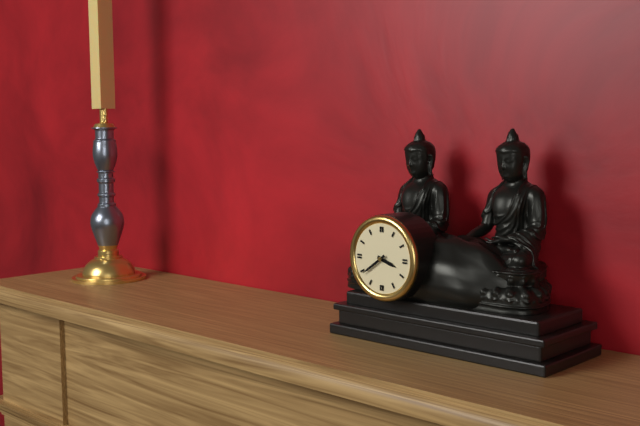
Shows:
{"hour": 3, "minute": 39}
